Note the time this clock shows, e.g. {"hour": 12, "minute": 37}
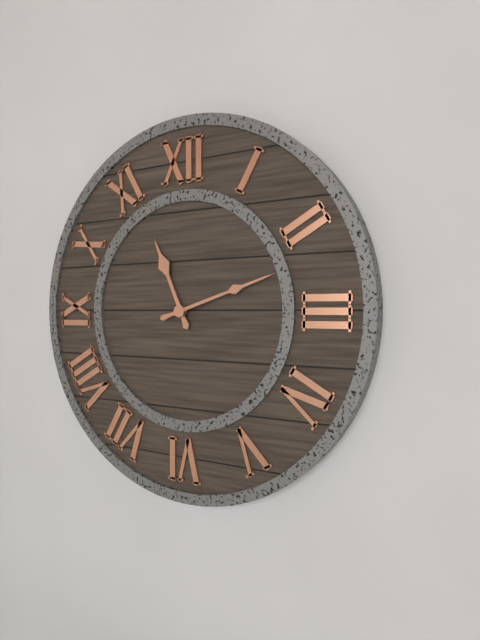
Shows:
{"hour": 11, "minute": 12}
